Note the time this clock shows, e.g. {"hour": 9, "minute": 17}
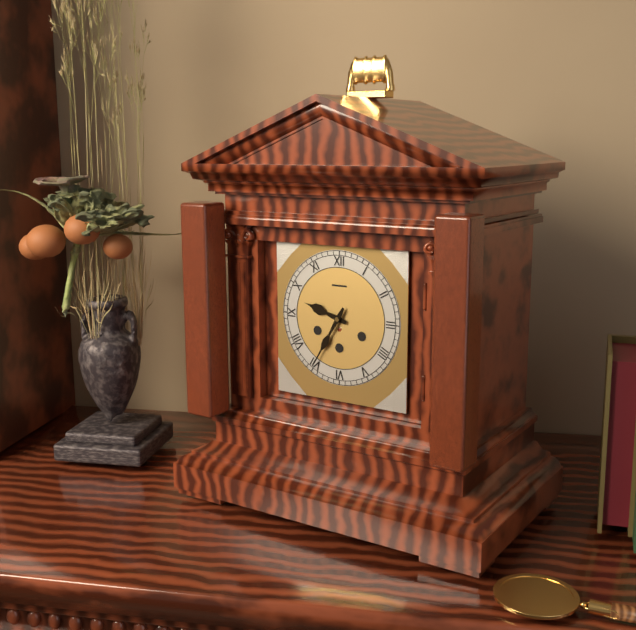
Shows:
{"hour": 9, "minute": 35}
